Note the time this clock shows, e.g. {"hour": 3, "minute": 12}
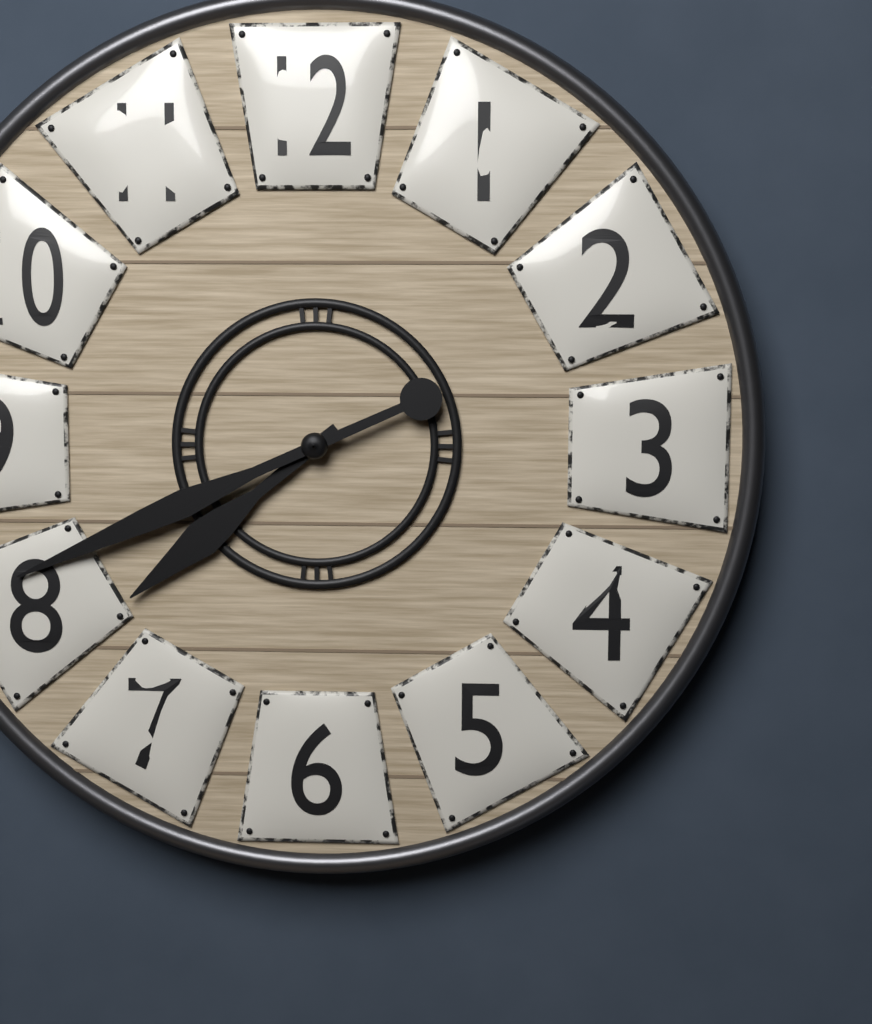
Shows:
{"hour": 7, "minute": 41}
